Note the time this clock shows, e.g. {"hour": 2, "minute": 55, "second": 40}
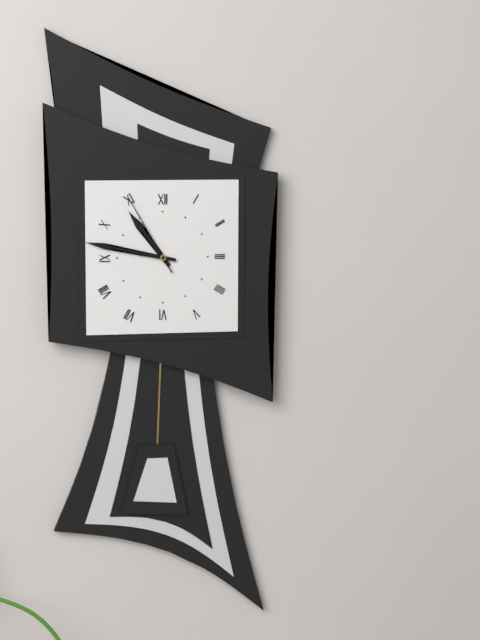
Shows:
{"hour": 10, "minute": 47, "second": 55}
